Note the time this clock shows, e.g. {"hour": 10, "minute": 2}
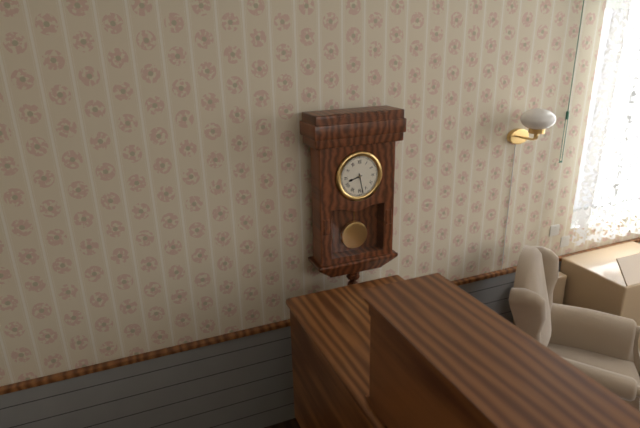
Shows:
{"hour": 8, "minute": 28}
